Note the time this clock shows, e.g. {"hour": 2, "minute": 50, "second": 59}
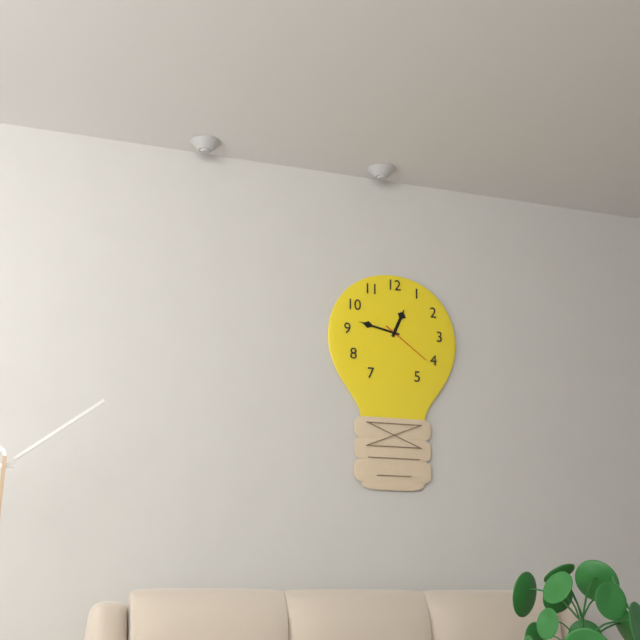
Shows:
{"hour": 12, "minute": 47, "second": 21}
